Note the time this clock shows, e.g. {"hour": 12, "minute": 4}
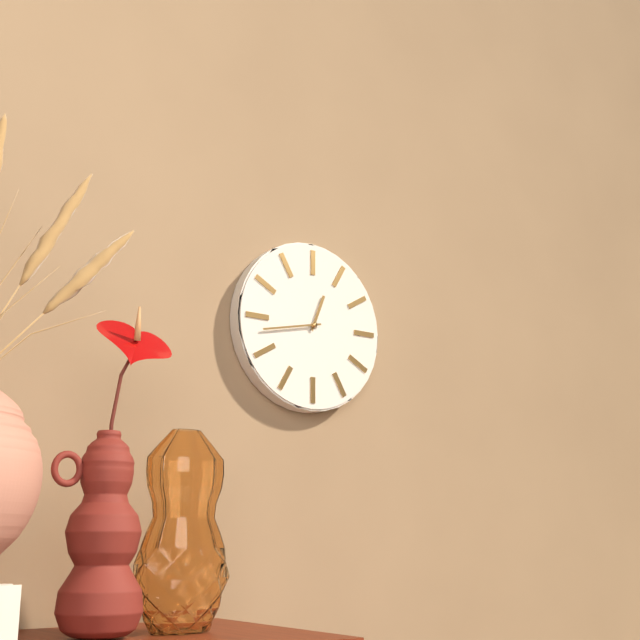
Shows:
{"hour": 12, "minute": 43}
